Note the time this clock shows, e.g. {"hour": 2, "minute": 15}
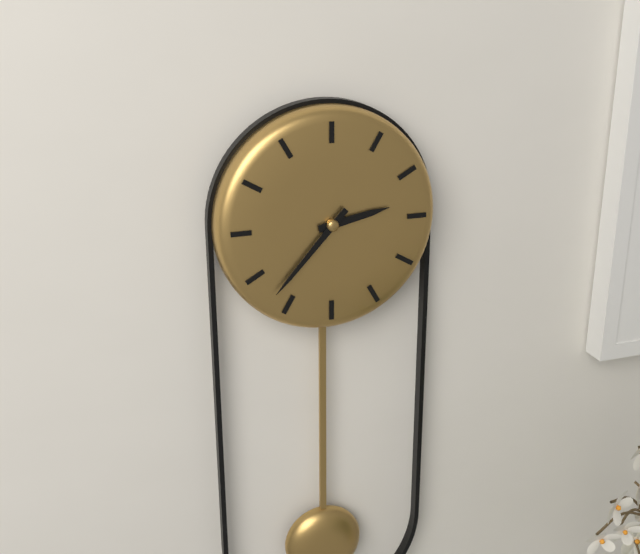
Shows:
{"hour": 2, "minute": 37}
